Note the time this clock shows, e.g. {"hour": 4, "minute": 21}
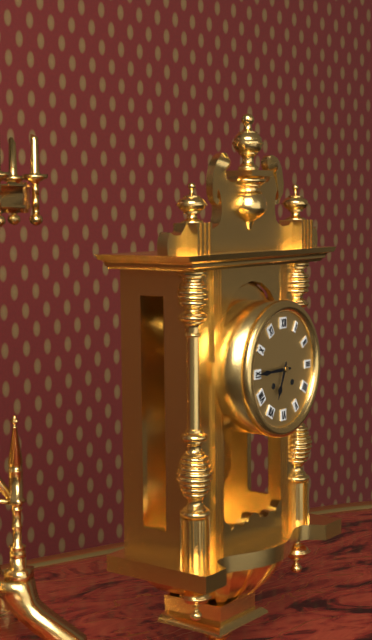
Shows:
{"hour": 6, "minute": 45}
